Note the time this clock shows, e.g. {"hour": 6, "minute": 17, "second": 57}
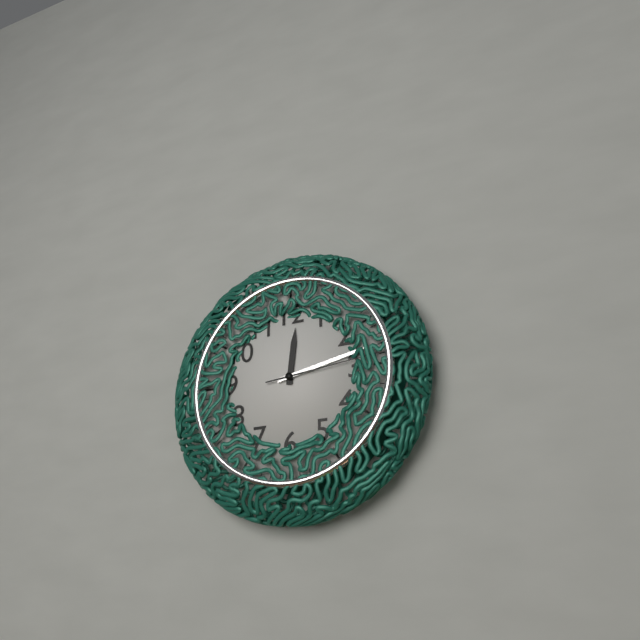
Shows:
{"hour": 12, "minute": 13, "second": 14}
